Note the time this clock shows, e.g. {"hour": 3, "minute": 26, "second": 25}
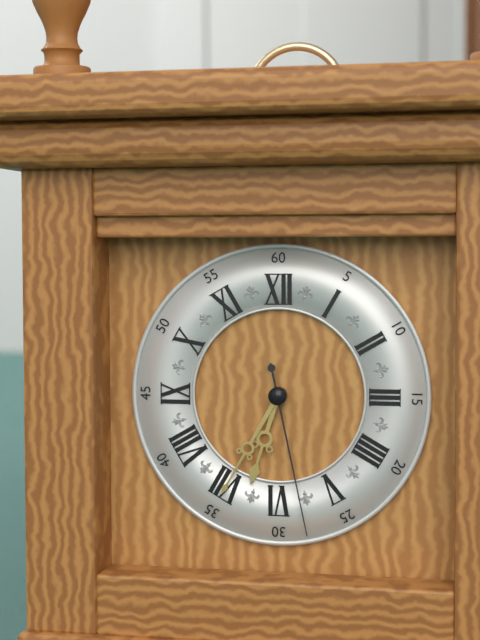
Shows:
{"hour": 6, "minute": 35, "second": 28}
